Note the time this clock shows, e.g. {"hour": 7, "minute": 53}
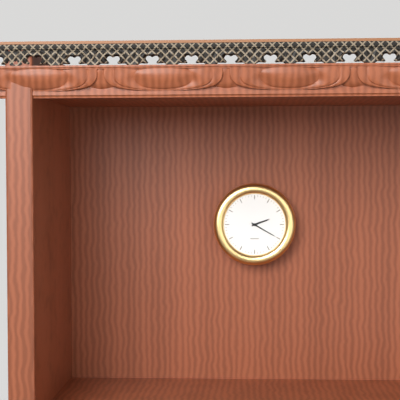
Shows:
{"hour": 2, "minute": 20}
